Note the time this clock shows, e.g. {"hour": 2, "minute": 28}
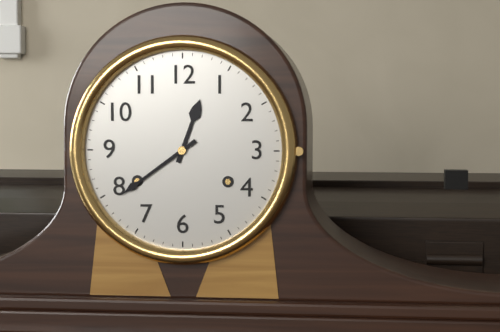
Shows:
{"hour": 12, "minute": 39}
